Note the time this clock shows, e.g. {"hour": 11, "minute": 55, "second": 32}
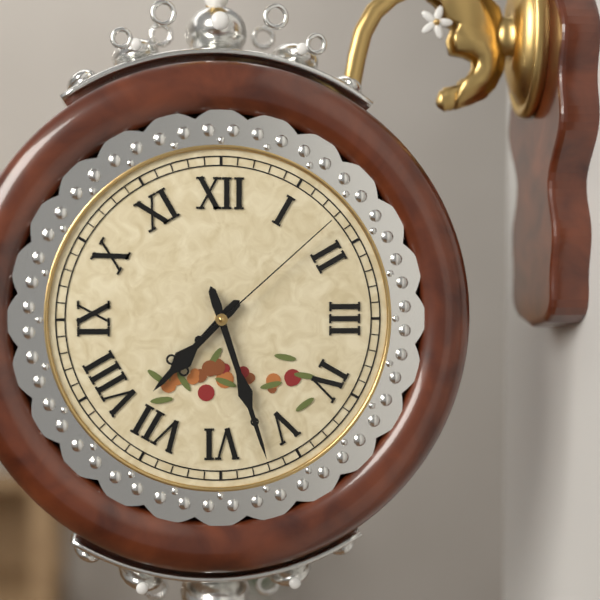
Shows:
{"hour": 7, "minute": 27, "second": 8}
